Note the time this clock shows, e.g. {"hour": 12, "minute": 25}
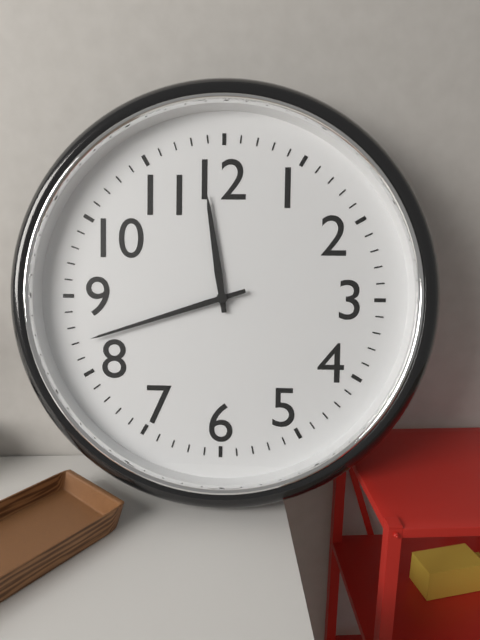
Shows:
{"hour": 11, "minute": 42}
